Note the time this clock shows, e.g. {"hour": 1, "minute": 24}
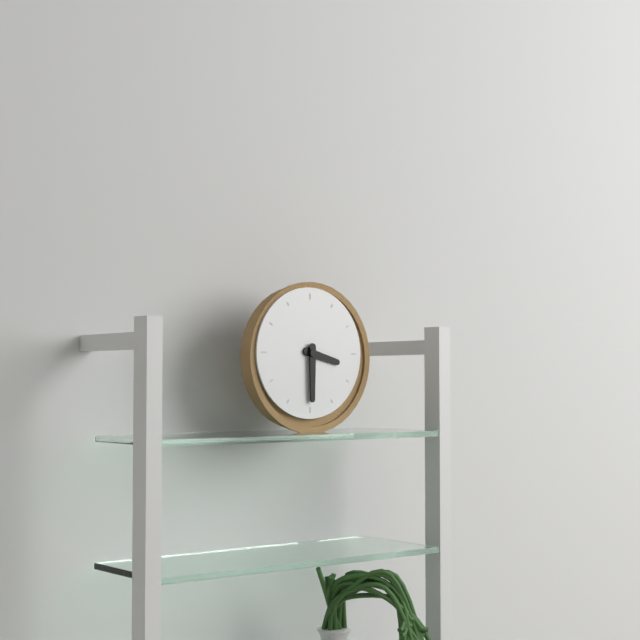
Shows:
{"hour": 3, "minute": 30}
